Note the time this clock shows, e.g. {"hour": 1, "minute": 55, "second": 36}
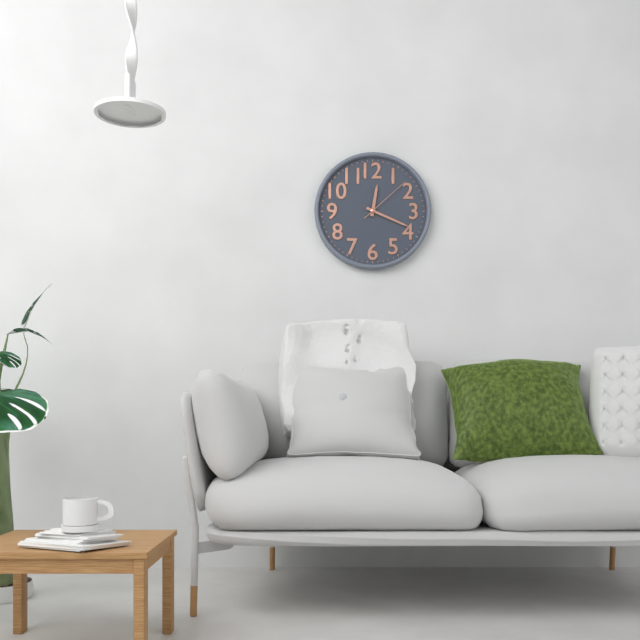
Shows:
{"hour": 12, "minute": 19, "second": 8}
